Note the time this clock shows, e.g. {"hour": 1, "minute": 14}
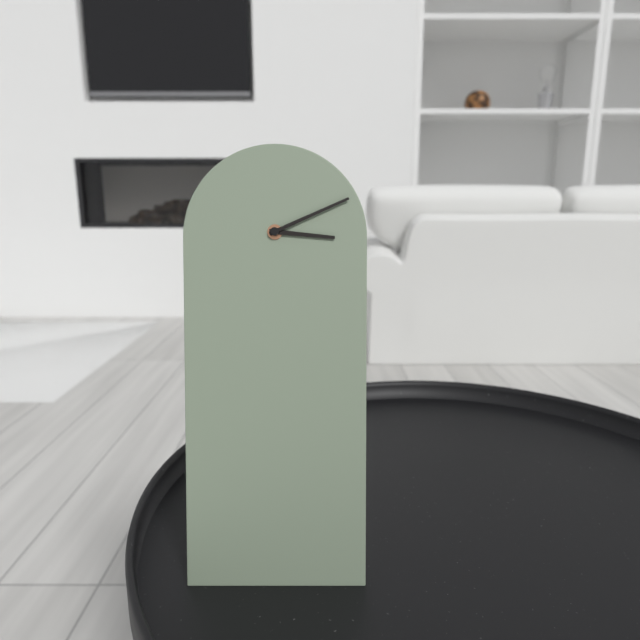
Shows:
{"hour": 3, "minute": 11}
